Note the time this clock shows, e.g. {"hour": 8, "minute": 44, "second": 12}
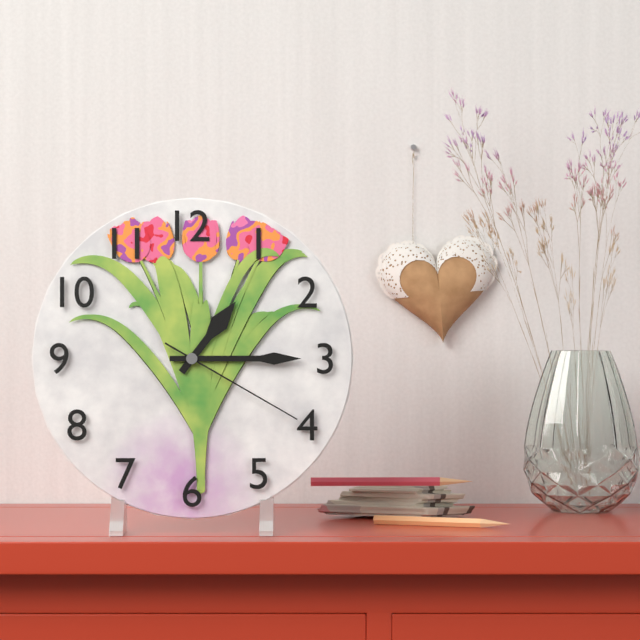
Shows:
{"hour": 1, "minute": 15, "second": 20}
